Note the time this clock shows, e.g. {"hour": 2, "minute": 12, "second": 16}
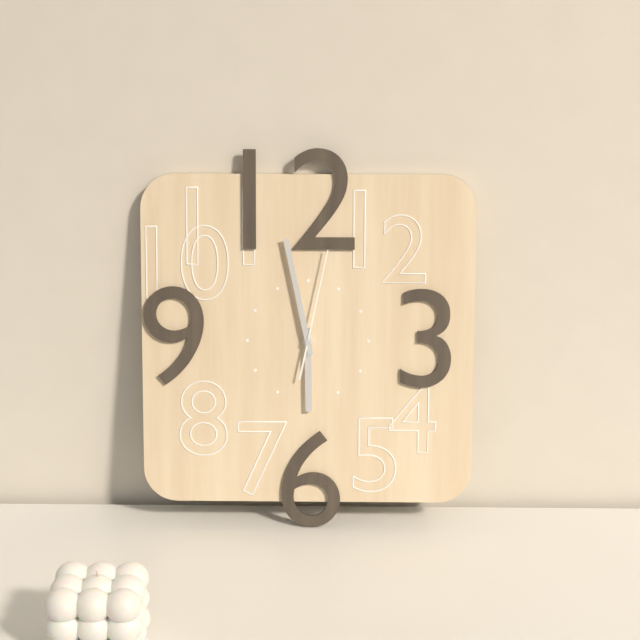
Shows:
{"hour": 5, "minute": 58, "second": 2}
